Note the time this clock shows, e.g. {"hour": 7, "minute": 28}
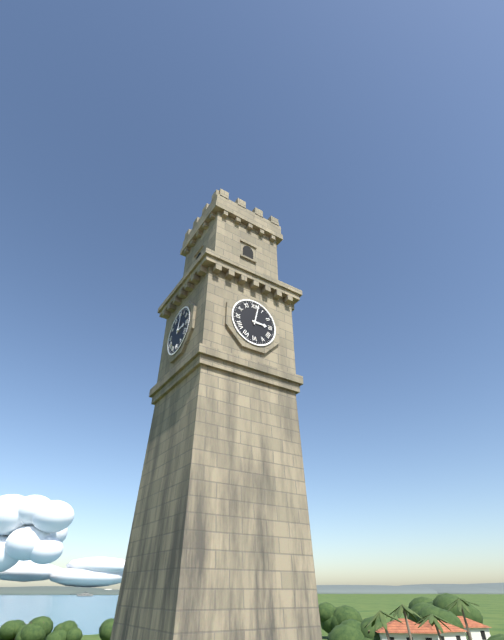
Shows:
{"hour": 3, "minute": 2}
